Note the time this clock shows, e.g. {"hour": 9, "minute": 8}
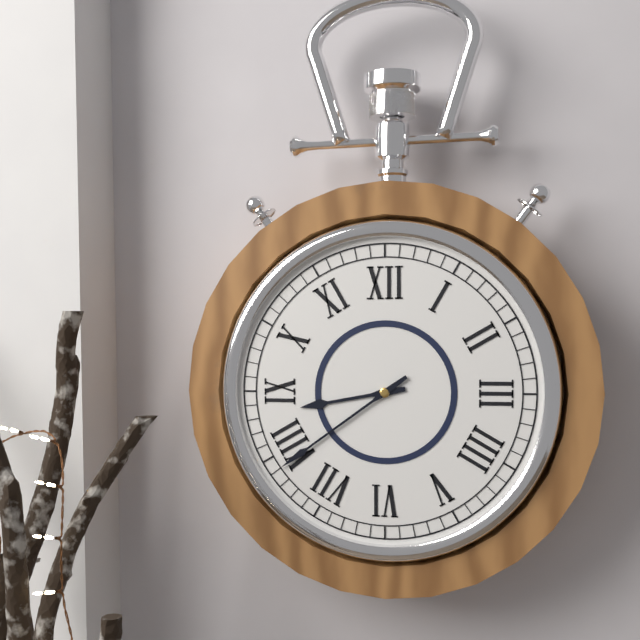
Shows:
{"hour": 8, "minute": 39}
